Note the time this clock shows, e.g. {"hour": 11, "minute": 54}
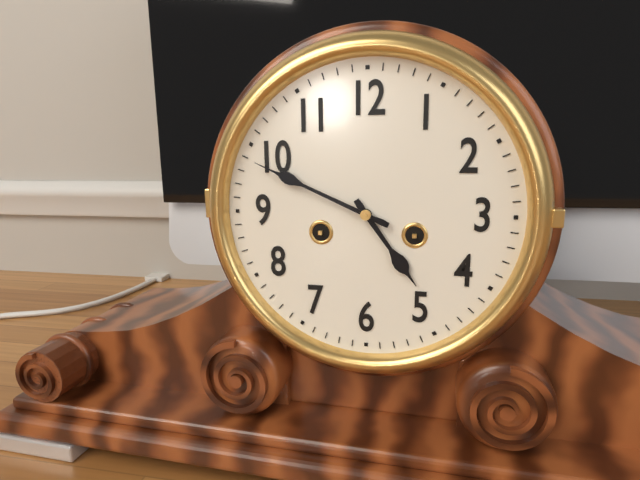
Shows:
{"hour": 4, "minute": 49}
